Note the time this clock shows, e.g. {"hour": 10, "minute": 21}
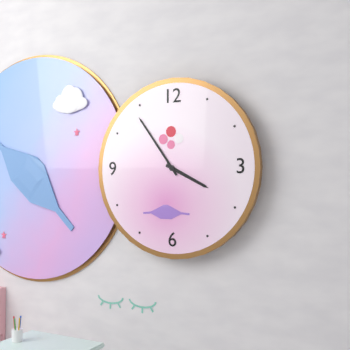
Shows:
{"hour": 3, "minute": 54}
